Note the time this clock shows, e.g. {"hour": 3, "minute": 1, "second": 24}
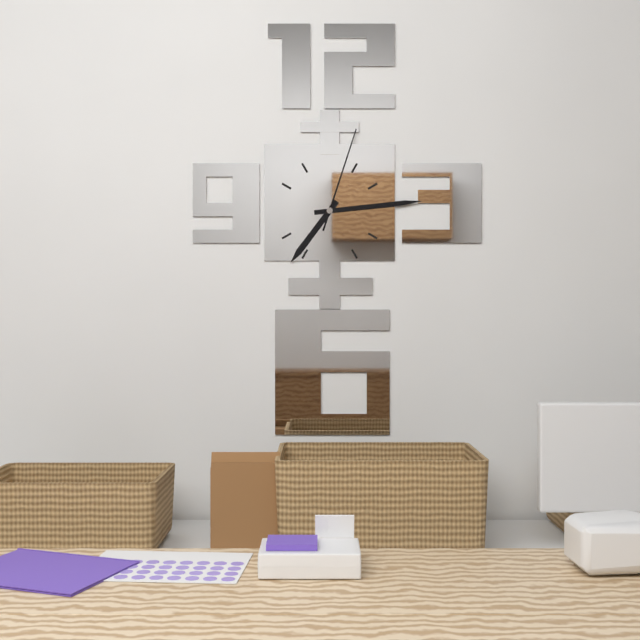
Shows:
{"hour": 7, "minute": 14, "second": 3}
